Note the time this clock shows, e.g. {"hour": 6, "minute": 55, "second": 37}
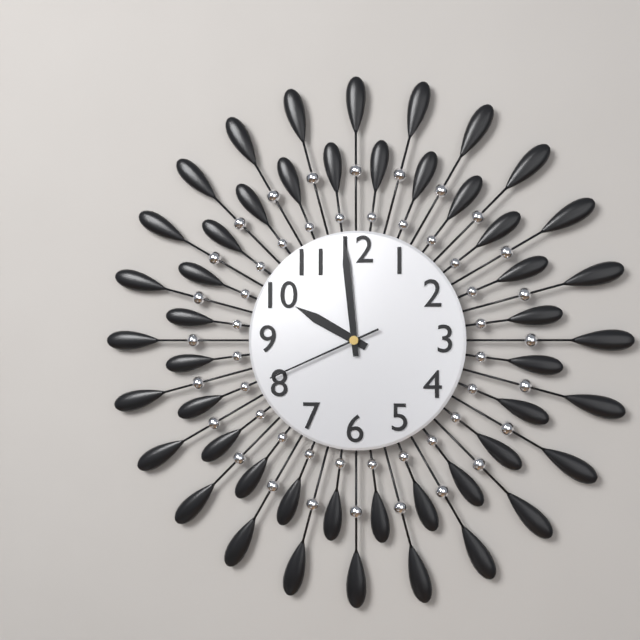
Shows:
{"hour": 9, "minute": 59, "second": 41}
